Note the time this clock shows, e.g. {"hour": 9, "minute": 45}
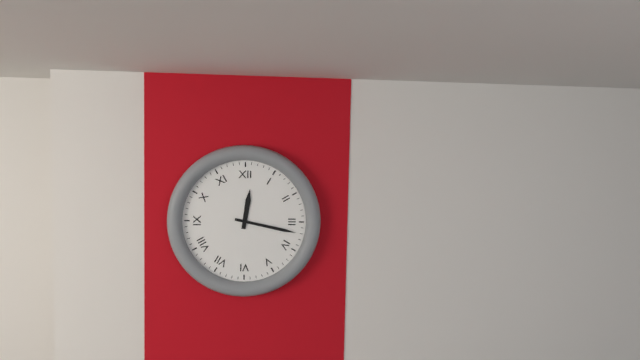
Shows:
{"hour": 12, "minute": 17}
